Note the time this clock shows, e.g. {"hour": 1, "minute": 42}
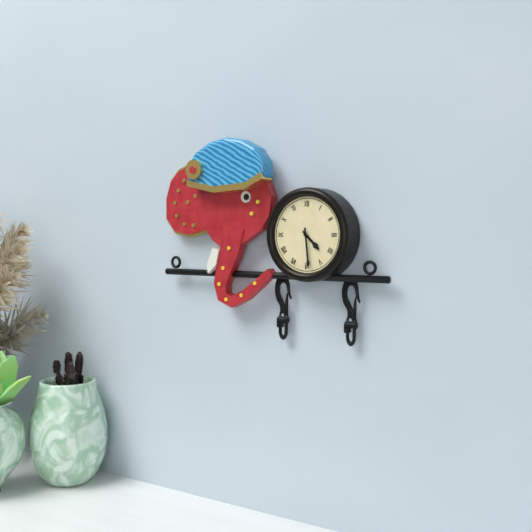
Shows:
{"hour": 4, "minute": 29}
